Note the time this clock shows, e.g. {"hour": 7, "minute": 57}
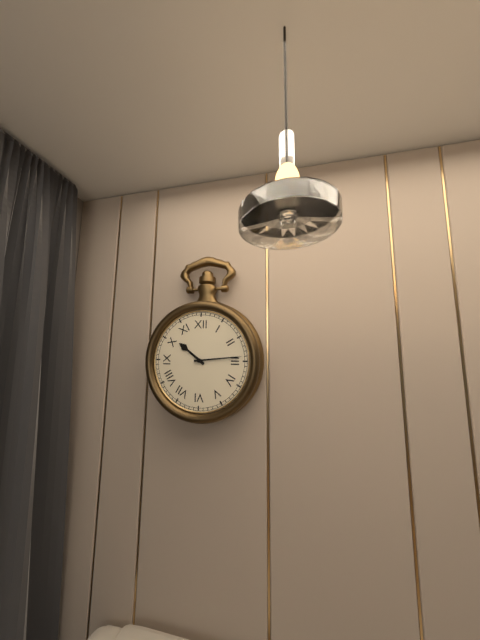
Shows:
{"hour": 10, "minute": 14}
